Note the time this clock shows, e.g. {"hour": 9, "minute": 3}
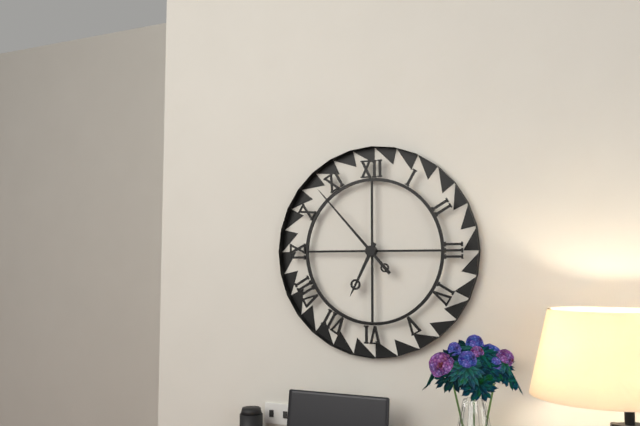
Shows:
{"hour": 6, "minute": 53}
